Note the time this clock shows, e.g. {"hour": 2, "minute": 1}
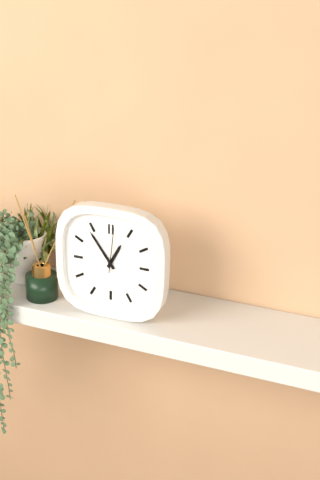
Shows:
{"hour": 12, "minute": 54}
